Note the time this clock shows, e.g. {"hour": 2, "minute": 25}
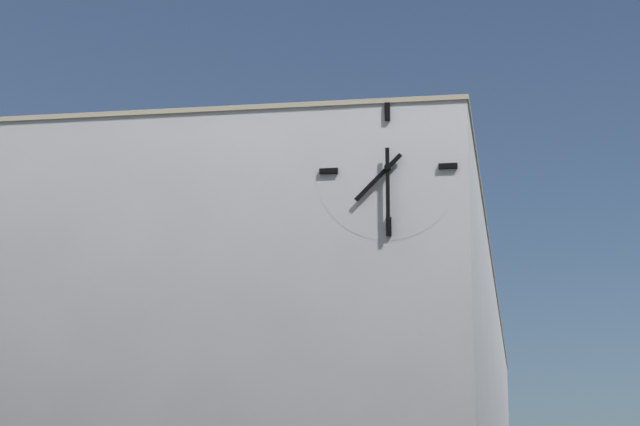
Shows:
{"hour": 7, "minute": 30}
